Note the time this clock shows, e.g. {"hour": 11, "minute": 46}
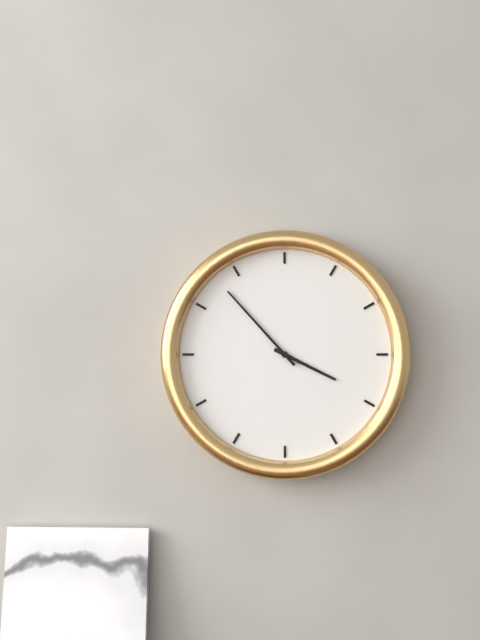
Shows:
{"hour": 3, "minute": 53}
